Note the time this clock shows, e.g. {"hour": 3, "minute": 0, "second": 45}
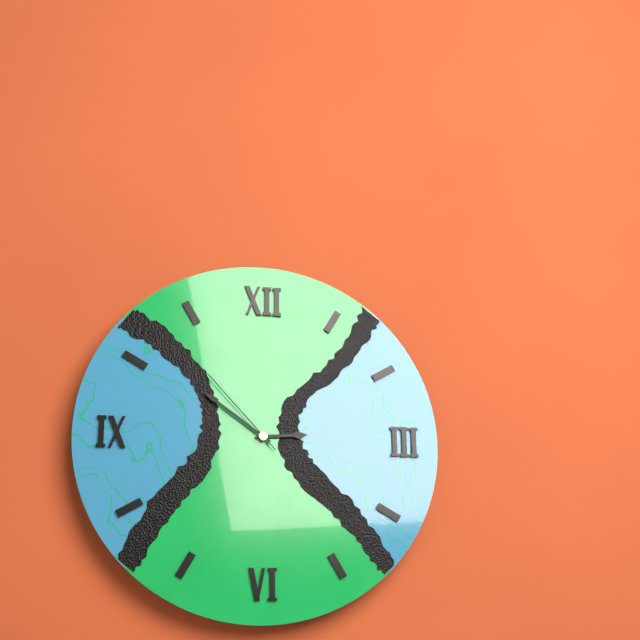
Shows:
{"hour": 2, "minute": 51, "second": 53}
